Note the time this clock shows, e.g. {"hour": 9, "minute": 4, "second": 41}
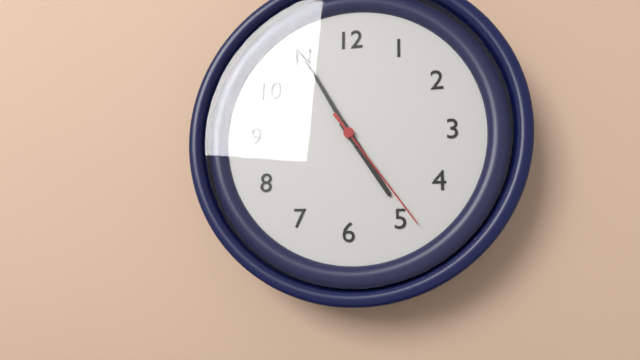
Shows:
{"hour": 4, "minute": 55, "second": 24}
